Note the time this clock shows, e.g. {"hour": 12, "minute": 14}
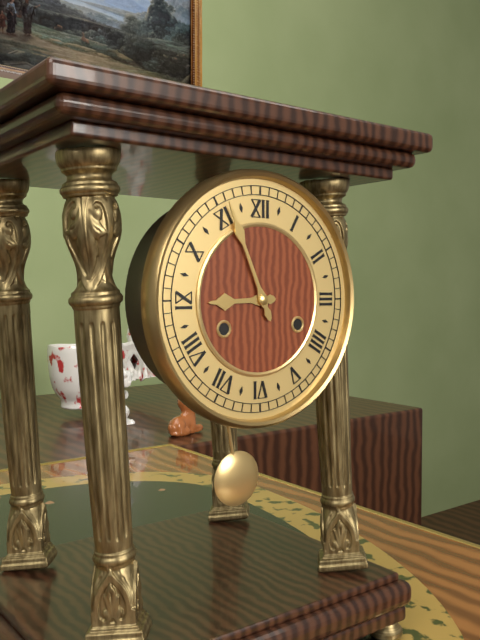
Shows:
{"hour": 8, "minute": 56}
